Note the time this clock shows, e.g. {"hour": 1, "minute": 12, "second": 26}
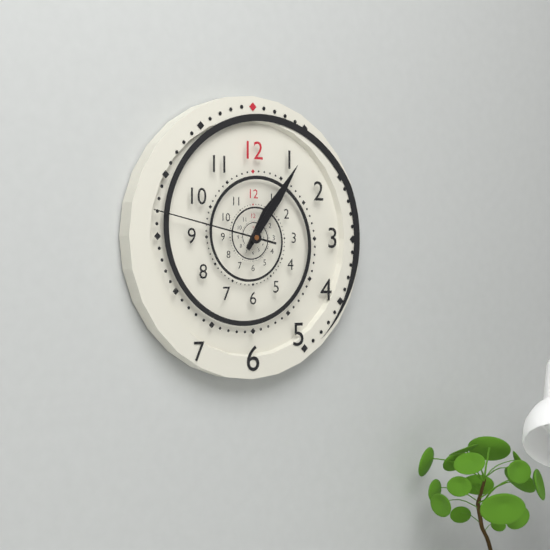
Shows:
{"hour": 1, "minute": 6, "second": 47}
